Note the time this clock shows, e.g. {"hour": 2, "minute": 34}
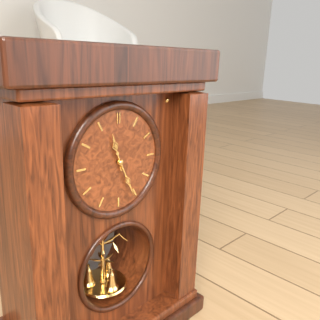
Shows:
{"hour": 11, "minute": 26}
